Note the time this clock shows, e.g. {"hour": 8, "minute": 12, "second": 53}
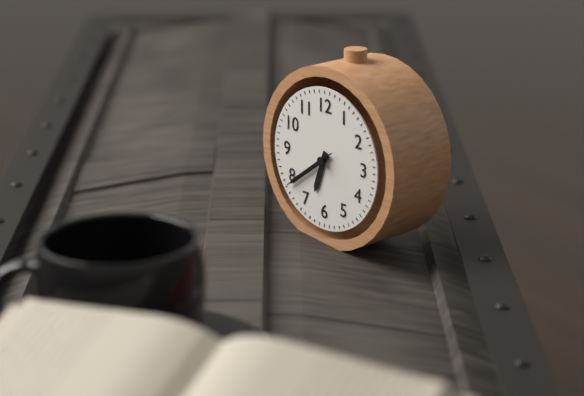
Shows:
{"hour": 6, "minute": 39, "second": 39}
